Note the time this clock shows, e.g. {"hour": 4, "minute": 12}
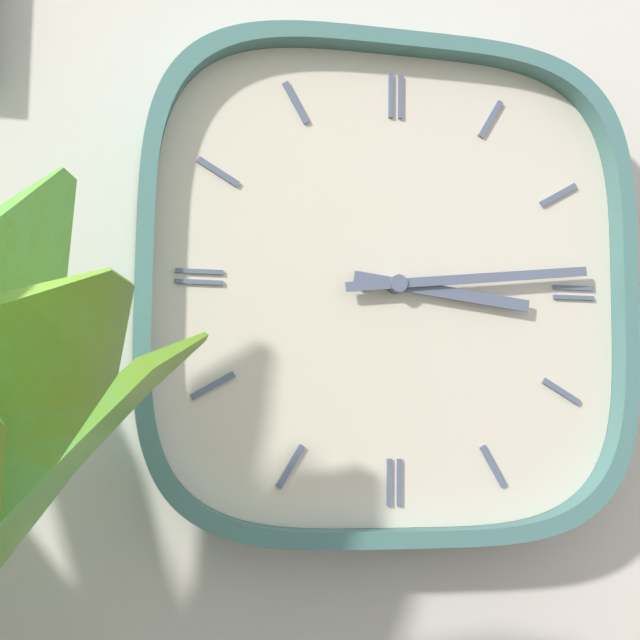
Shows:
{"hour": 3, "minute": 14}
